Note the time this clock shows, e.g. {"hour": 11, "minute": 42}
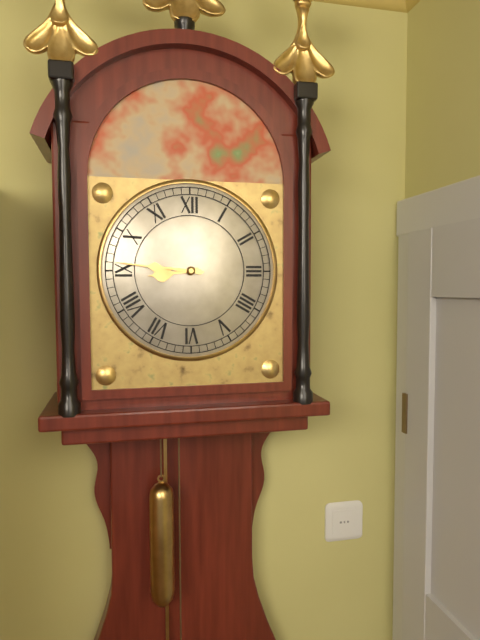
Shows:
{"hour": 8, "minute": 46}
